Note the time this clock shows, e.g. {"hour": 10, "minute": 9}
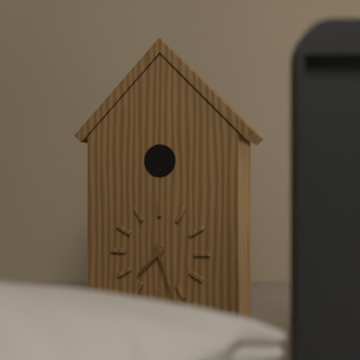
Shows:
{"hour": 7, "minute": 27}
